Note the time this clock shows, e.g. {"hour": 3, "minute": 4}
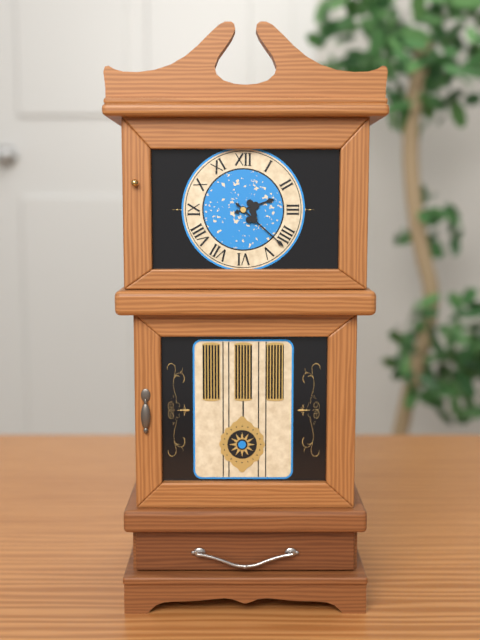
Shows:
{"hour": 2, "minute": 22}
